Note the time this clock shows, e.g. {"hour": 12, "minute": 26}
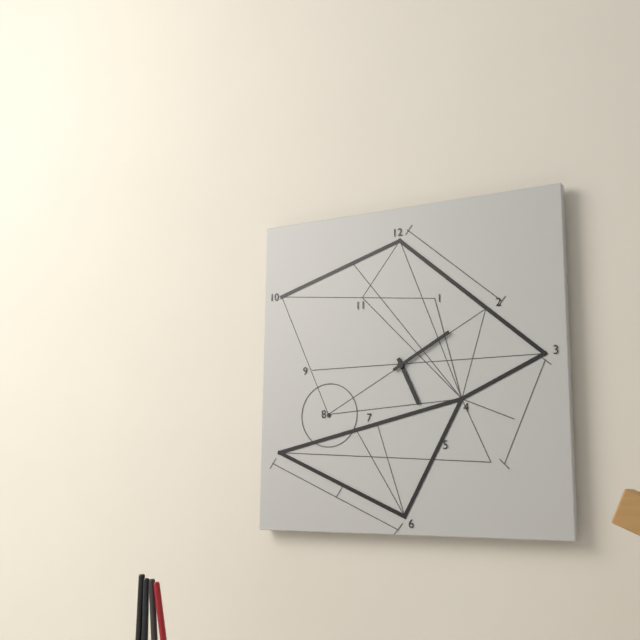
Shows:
{"hour": 5, "minute": 10}
